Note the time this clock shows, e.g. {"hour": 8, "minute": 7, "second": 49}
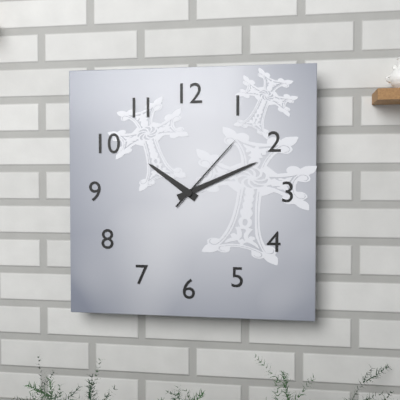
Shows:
{"hour": 10, "minute": 11, "second": 7}
